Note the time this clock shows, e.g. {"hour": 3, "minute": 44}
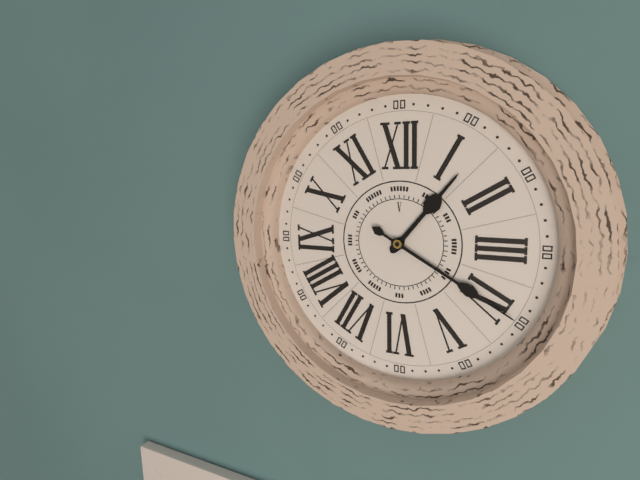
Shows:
{"hour": 1, "minute": 20}
